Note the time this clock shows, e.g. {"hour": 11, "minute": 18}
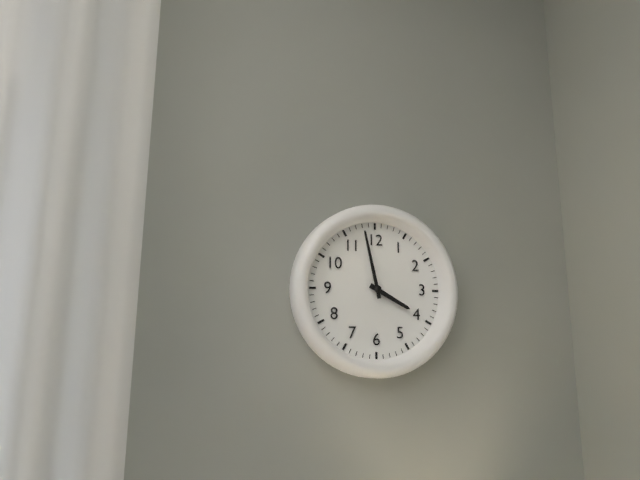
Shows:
{"hour": 3, "minute": 58}
